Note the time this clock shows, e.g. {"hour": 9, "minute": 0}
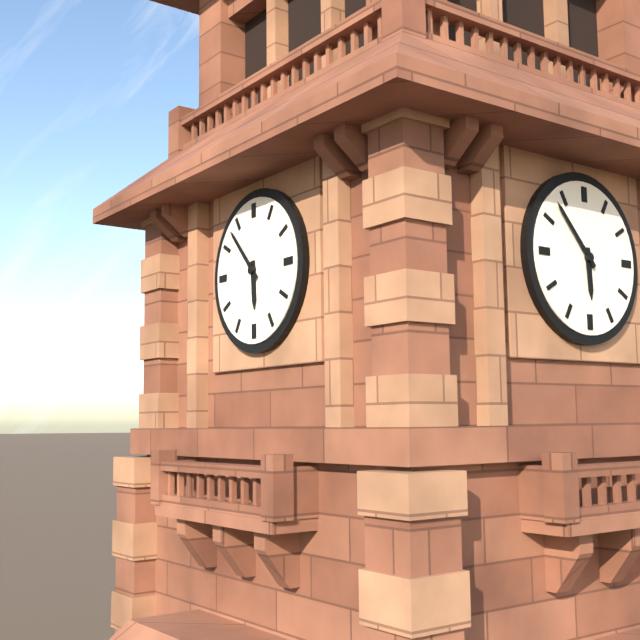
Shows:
{"hour": 5, "minute": 53}
